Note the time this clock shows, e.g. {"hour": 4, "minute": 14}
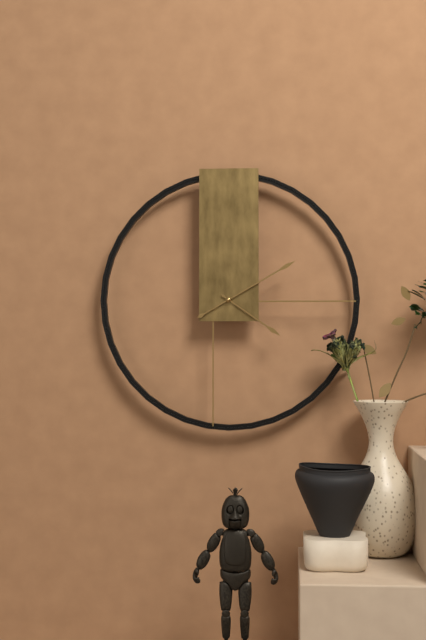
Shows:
{"hour": 4, "minute": 10}
